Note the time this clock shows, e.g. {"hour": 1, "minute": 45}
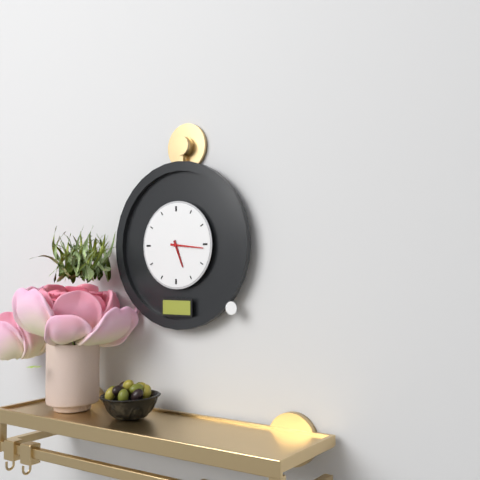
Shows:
{"hour": 5, "minute": 16}
